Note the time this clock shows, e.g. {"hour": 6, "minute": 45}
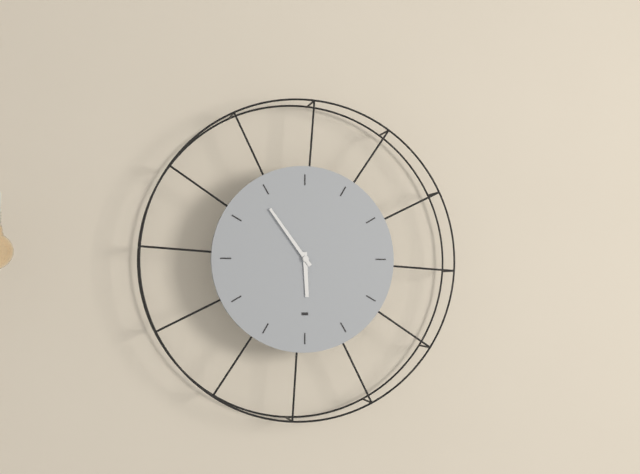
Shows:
{"hour": 5, "minute": 54}
